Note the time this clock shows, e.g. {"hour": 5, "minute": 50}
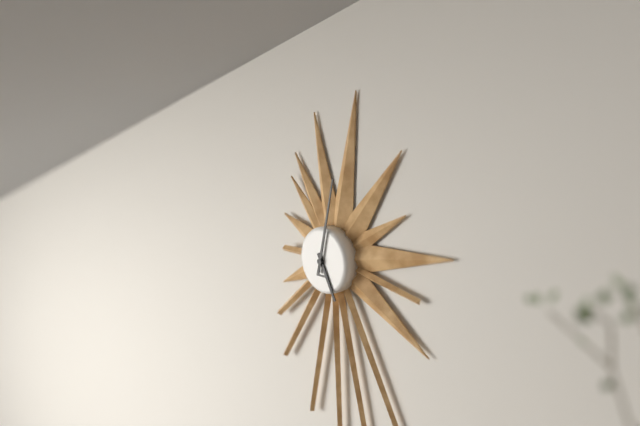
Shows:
{"hour": 5, "minute": 2}
